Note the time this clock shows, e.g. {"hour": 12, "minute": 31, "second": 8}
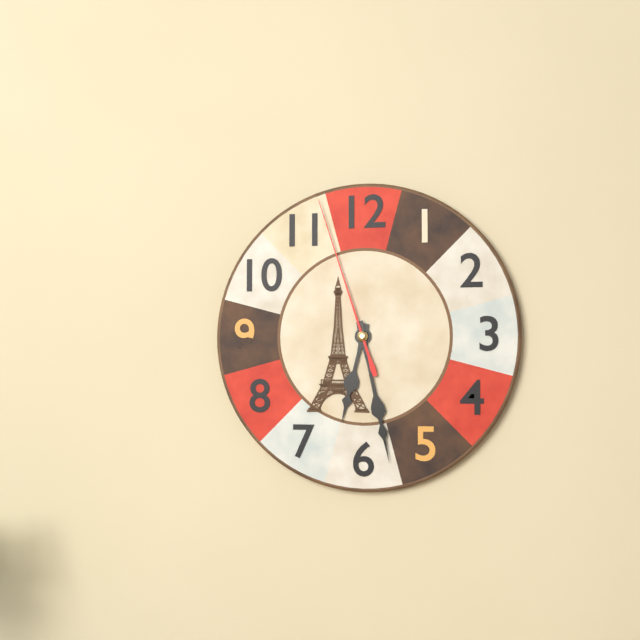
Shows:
{"hour": 6, "minute": 28, "second": 57}
